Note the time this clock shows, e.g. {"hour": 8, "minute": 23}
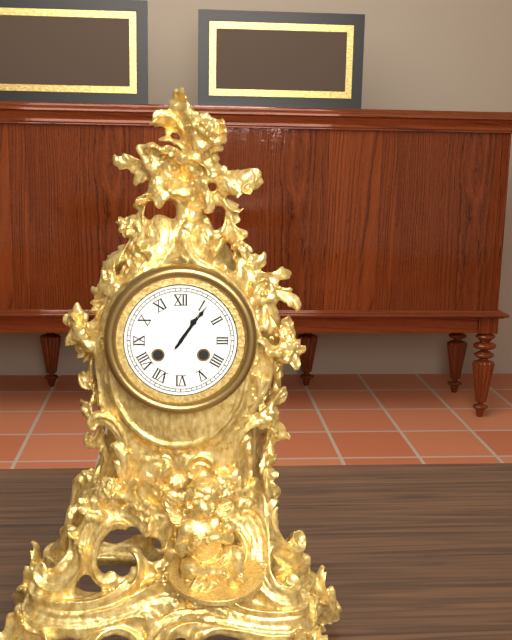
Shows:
{"hour": 1, "minute": 6}
